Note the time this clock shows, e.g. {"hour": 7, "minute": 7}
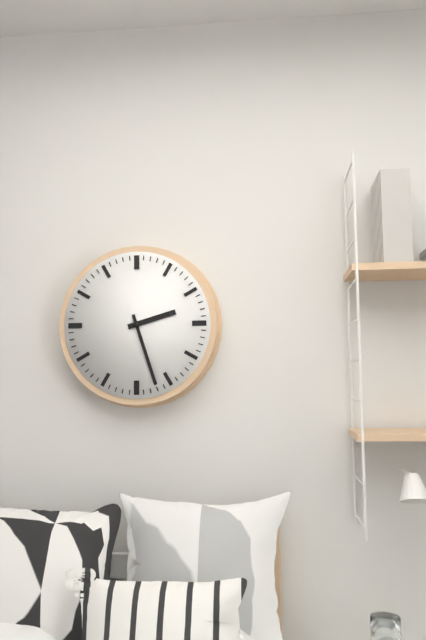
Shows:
{"hour": 2, "minute": 27}
